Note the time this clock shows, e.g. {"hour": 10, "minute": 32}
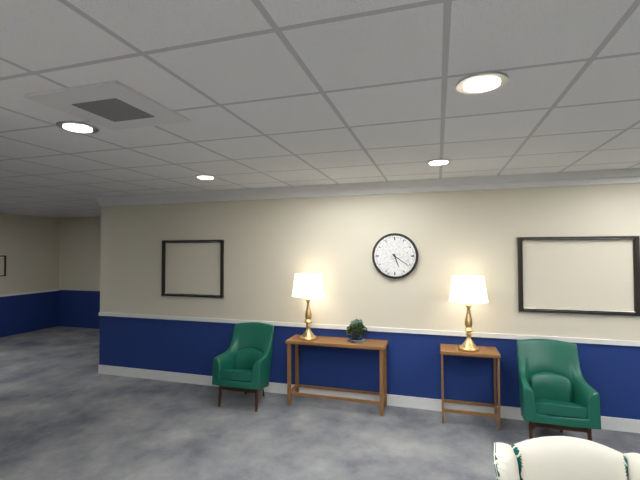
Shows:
{"hour": 5, "minute": 21}
